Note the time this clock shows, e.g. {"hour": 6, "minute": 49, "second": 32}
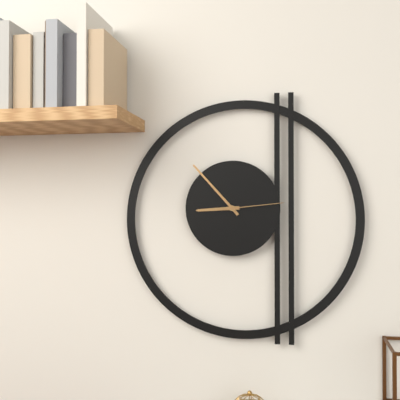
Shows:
{"hour": 8, "minute": 53, "second": 14}
